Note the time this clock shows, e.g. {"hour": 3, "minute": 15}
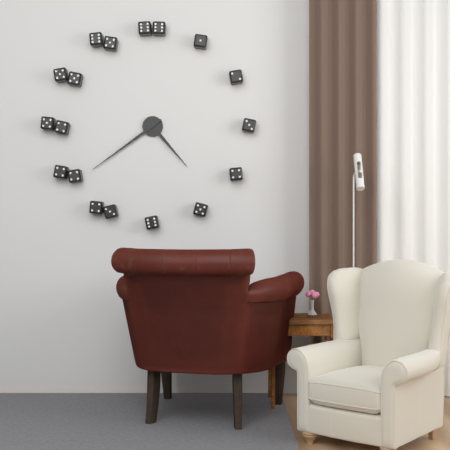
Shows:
{"hour": 4, "minute": 39}
